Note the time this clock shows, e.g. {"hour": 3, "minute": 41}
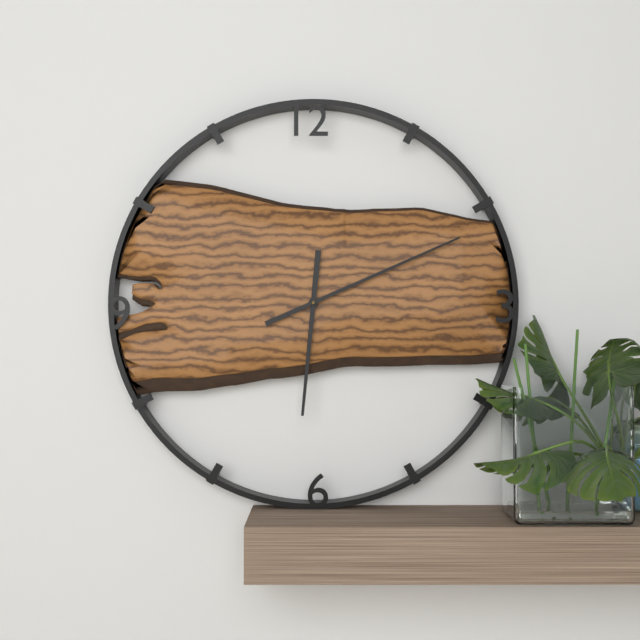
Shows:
{"hour": 6, "minute": 11}
